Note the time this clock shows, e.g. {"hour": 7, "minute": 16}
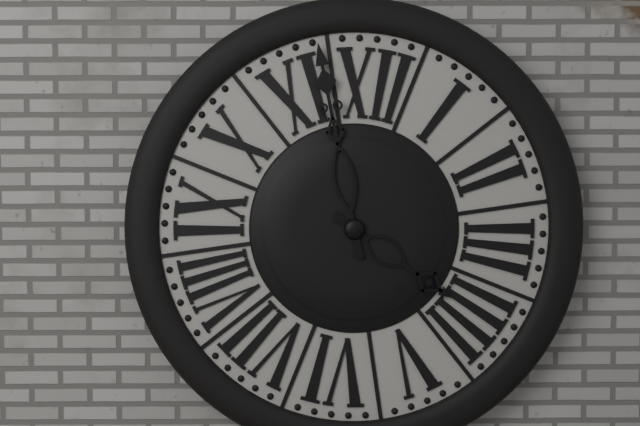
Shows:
{"hour": 3, "minute": 57}
